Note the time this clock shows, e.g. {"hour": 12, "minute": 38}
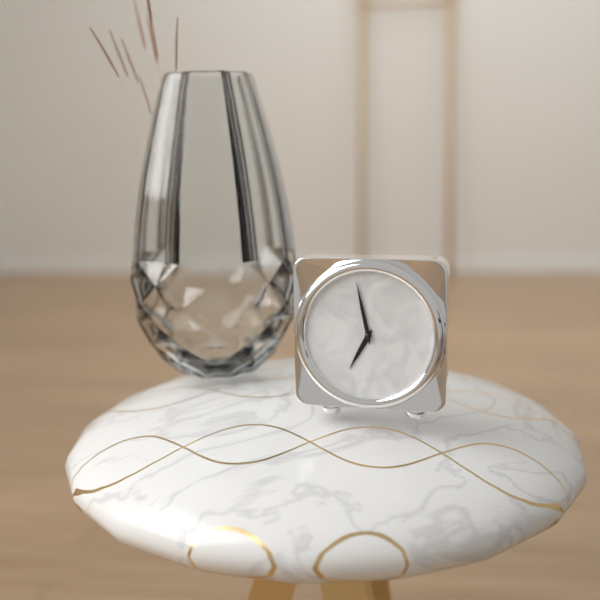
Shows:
{"hour": 6, "minute": 58}
